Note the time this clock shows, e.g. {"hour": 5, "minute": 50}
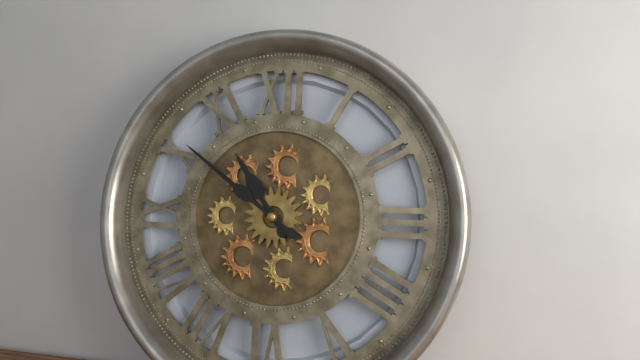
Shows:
{"hour": 10, "minute": 51}
